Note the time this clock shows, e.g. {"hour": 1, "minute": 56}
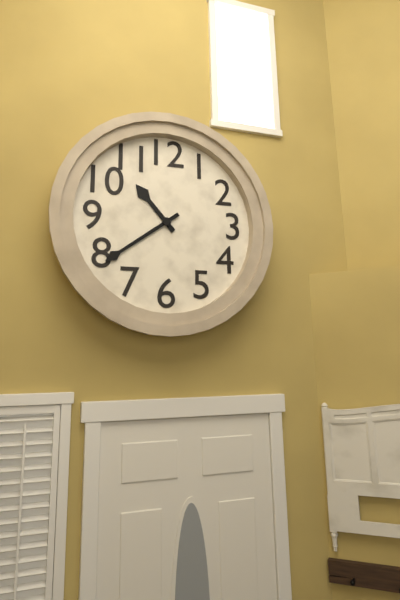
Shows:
{"hour": 10, "minute": 39}
